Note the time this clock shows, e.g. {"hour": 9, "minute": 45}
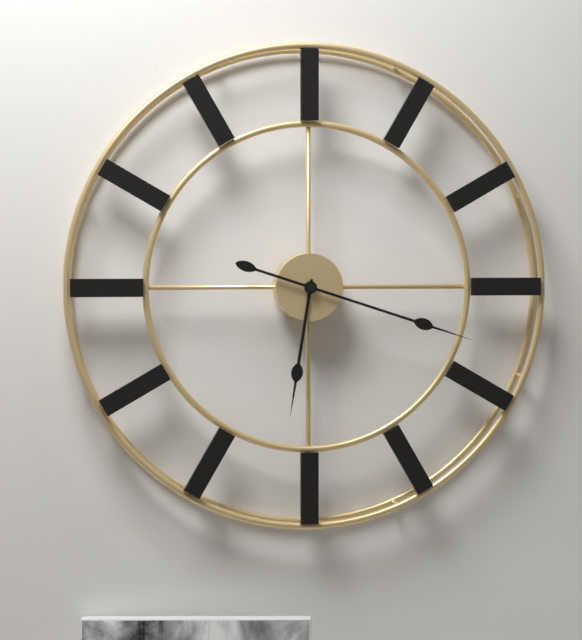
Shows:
{"hour": 6, "minute": 18}
